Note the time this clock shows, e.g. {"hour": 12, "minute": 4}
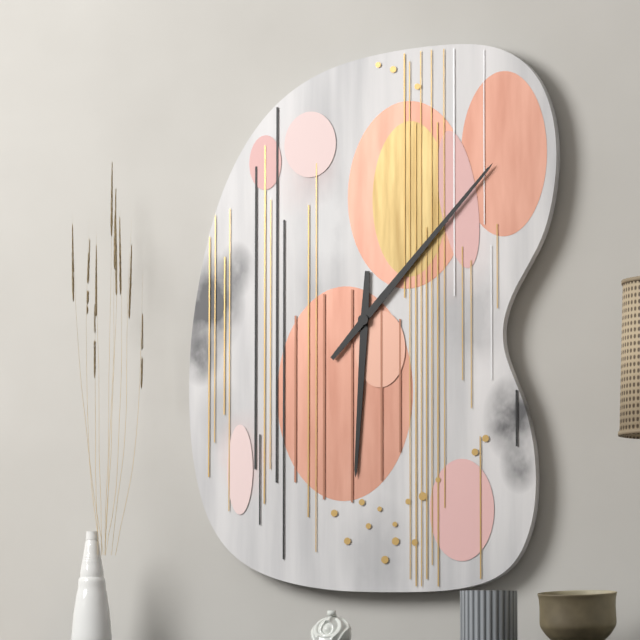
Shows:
{"hour": 6, "minute": 7}
